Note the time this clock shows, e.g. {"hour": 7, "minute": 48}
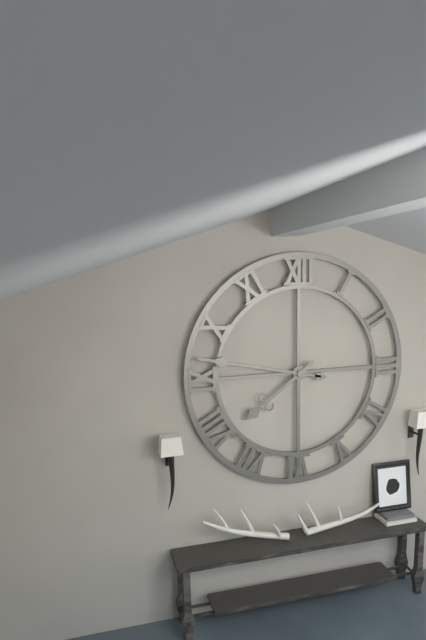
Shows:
{"hour": 7, "minute": 47}
